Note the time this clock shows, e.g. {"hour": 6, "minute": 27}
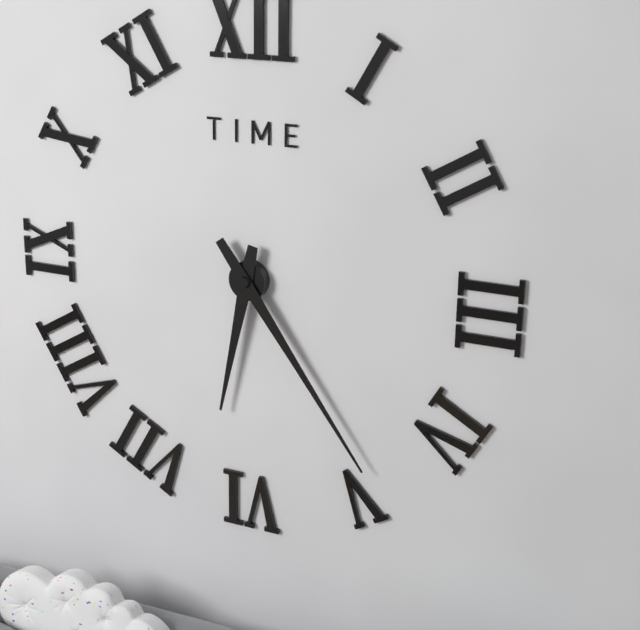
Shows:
{"hour": 6, "minute": 24}
